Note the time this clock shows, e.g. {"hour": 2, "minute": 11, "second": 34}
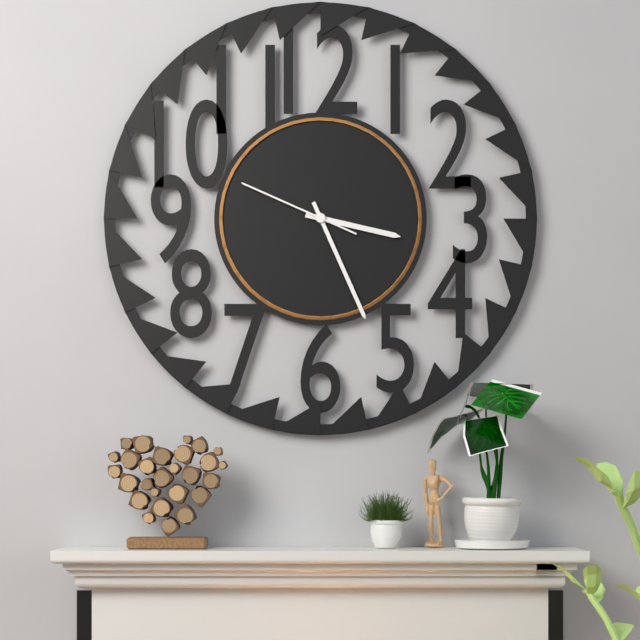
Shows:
{"hour": 3, "minute": 26, "second": 49}
